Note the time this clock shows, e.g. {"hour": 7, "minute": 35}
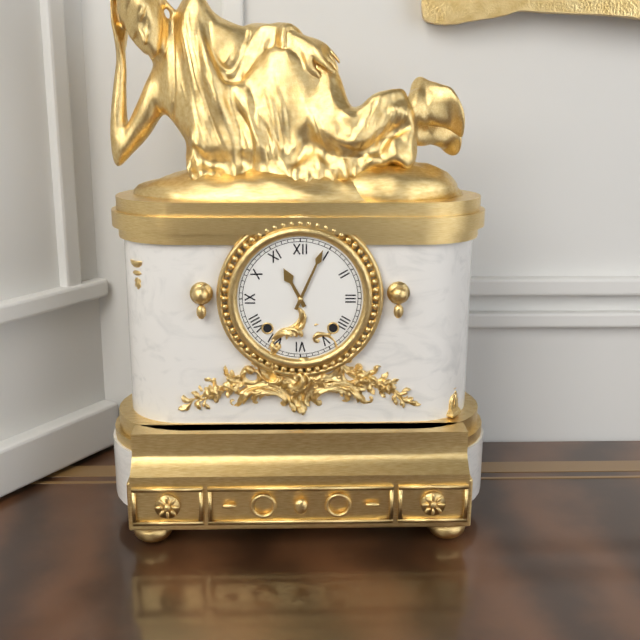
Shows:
{"hour": 11, "minute": 4}
